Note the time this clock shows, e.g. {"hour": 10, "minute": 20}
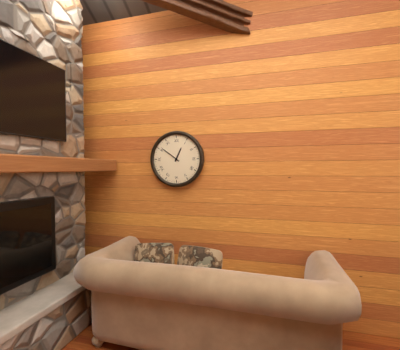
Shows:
{"hour": 12, "minute": 51}
